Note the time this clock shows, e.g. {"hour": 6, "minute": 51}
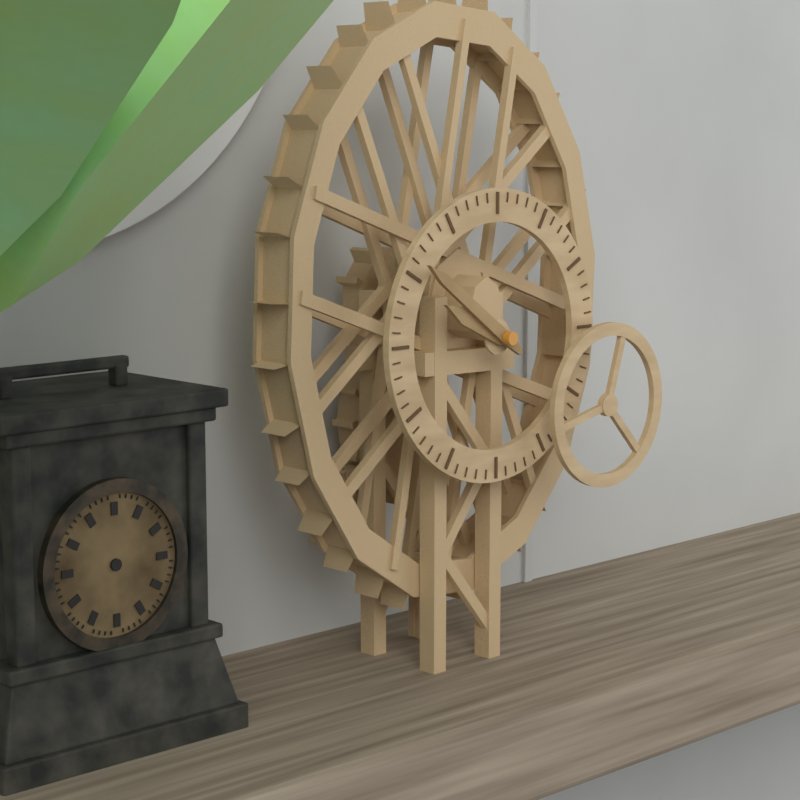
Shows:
{"hour": 9, "minute": 51}
